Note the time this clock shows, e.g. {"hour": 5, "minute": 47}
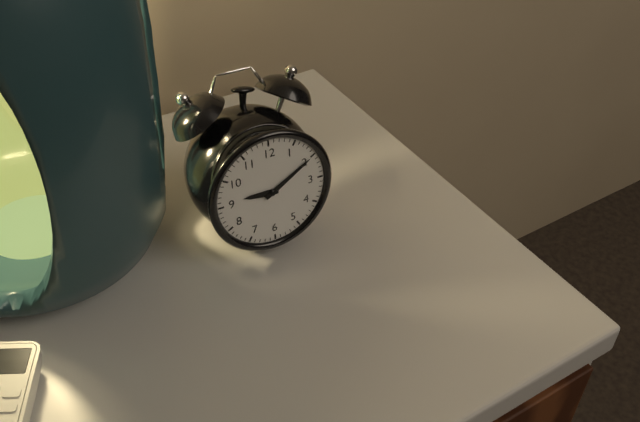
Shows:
{"hour": 9, "minute": 10}
